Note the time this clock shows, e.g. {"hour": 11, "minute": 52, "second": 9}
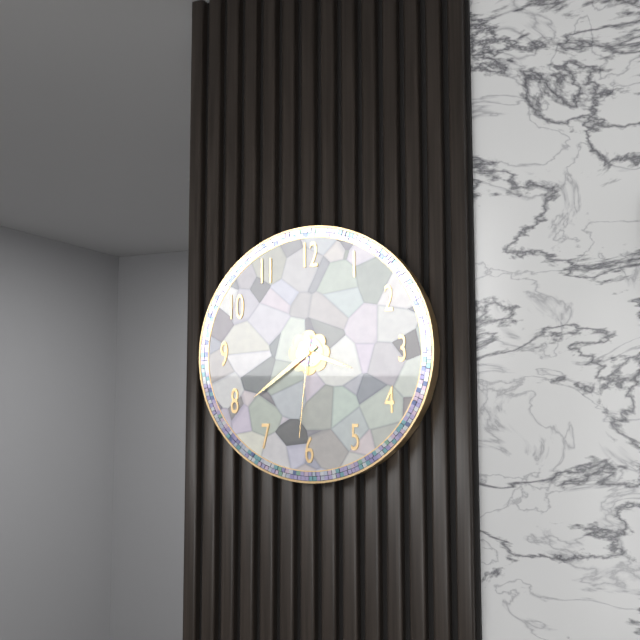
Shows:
{"hour": 3, "minute": 39, "second": 31}
